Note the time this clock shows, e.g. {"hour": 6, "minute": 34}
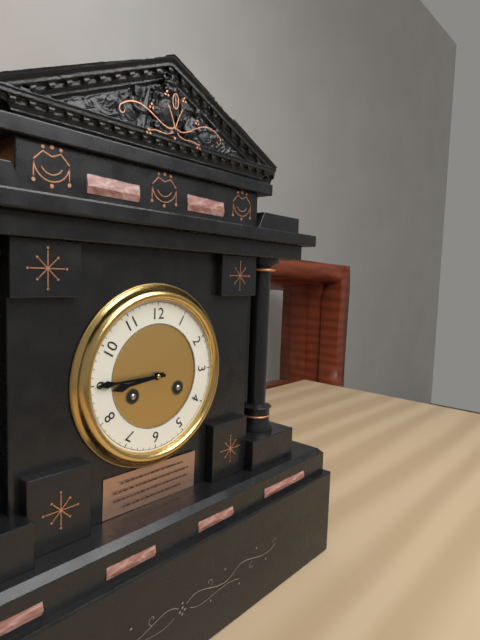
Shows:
{"hour": 8, "minute": 45}
